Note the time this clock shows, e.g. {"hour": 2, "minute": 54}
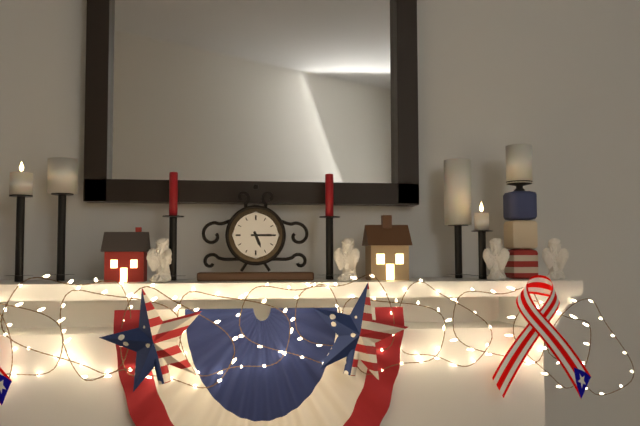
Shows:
{"hour": 5, "minute": 15}
